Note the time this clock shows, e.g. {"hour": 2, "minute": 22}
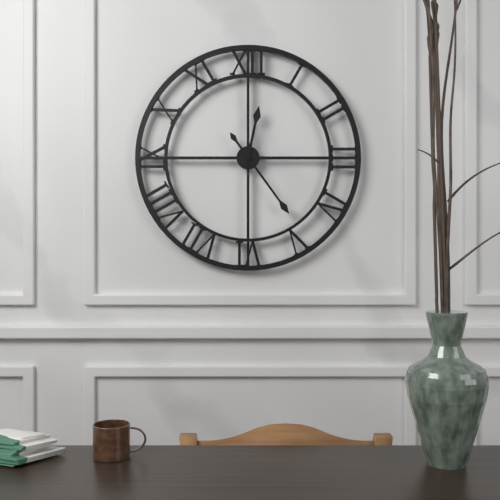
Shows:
{"hour": 12, "minute": 24}
